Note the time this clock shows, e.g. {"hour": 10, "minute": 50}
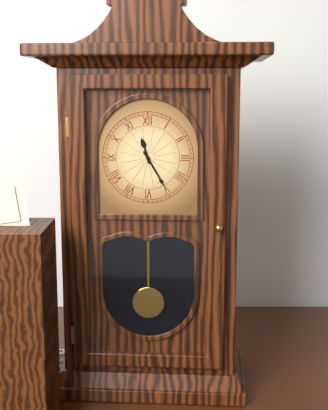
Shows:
{"hour": 11, "minute": 25}
